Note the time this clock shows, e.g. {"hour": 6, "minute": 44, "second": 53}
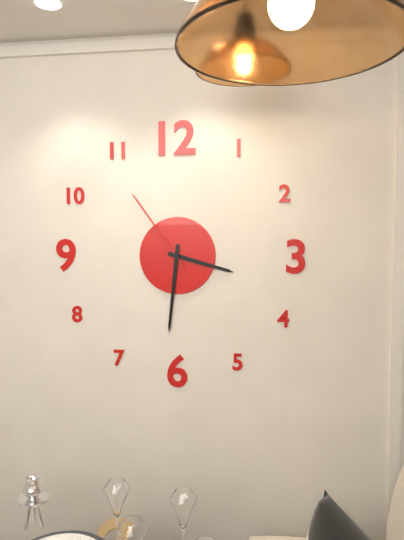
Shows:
{"hour": 3, "minute": 31, "second": 54}
